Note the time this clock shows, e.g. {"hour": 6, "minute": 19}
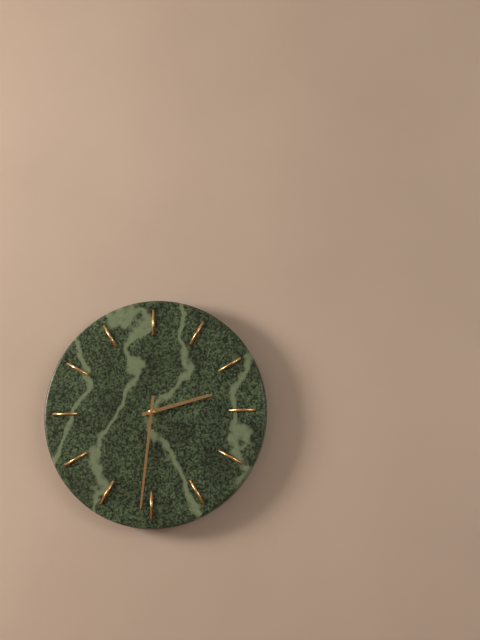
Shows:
{"hour": 2, "minute": 31}
